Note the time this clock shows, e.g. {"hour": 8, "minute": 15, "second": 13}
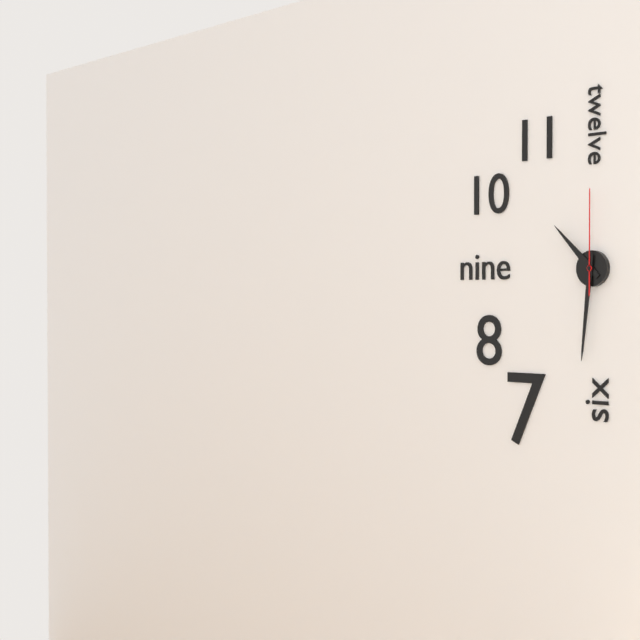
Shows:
{"hour": 10, "minute": 31, "second": 0}
